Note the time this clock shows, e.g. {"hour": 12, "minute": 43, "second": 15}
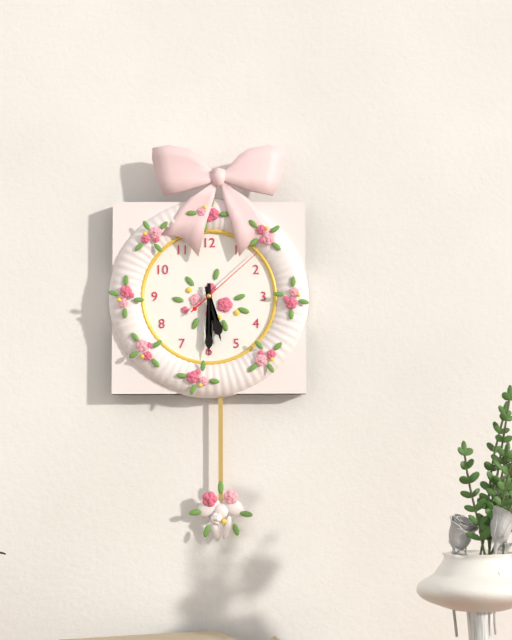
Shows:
{"hour": 5, "minute": 30, "second": 8}
